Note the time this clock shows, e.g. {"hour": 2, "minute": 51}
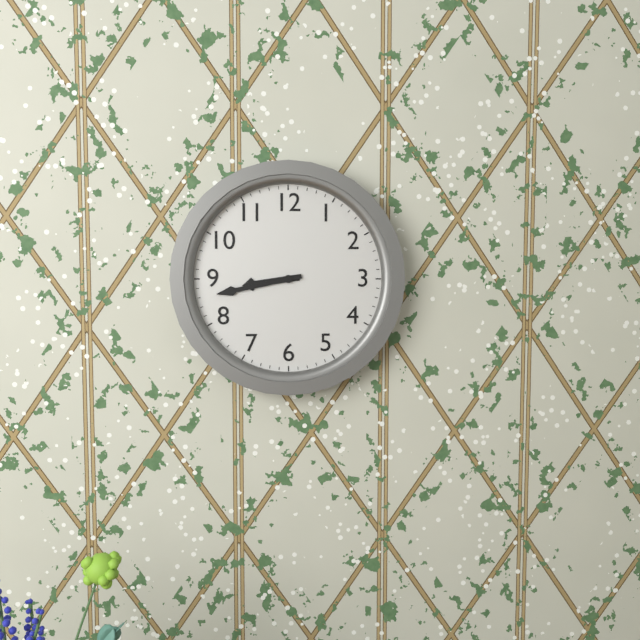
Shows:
{"hour": 8, "minute": 43}
